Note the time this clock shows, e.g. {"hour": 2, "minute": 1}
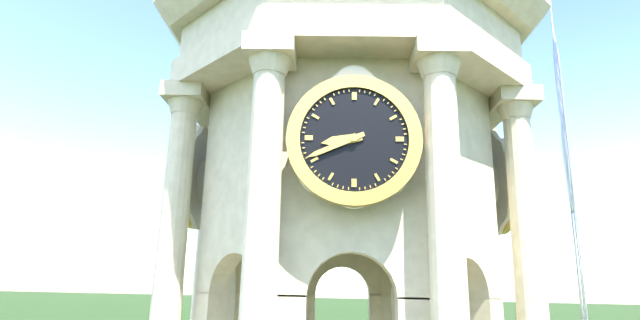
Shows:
{"hour": 8, "minute": 41}
